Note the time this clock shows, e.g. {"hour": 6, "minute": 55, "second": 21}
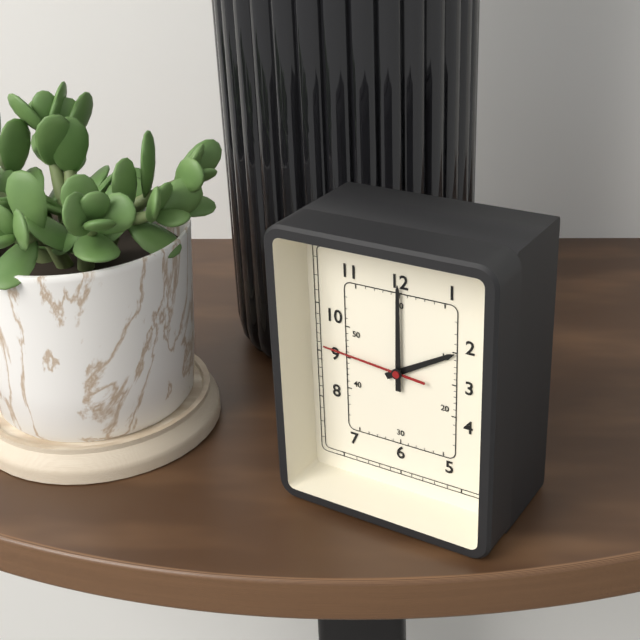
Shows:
{"hour": 2, "minute": 0, "second": 46}
